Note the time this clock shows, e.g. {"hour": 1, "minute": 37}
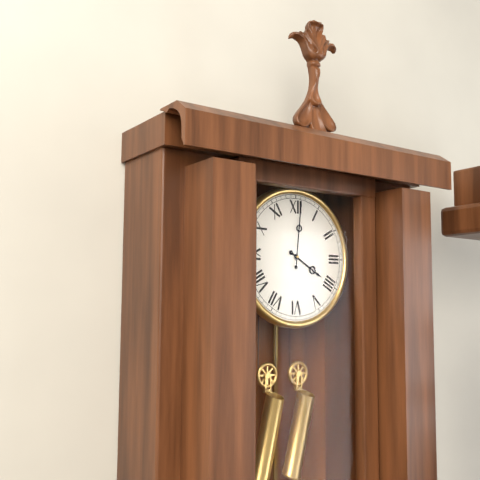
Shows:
{"hour": 4, "minute": 1}
